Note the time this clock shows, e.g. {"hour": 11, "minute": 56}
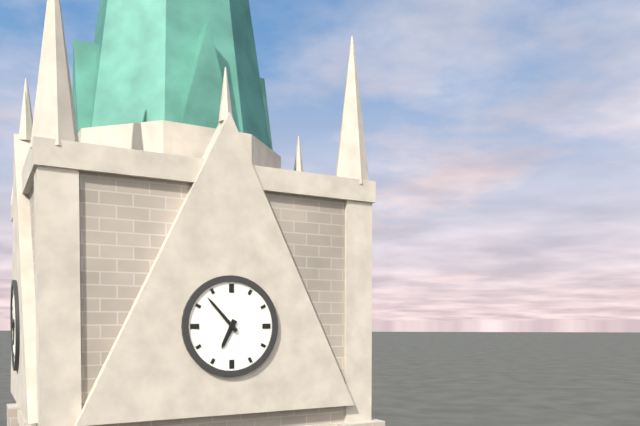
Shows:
{"hour": 6, "minute": 53}
